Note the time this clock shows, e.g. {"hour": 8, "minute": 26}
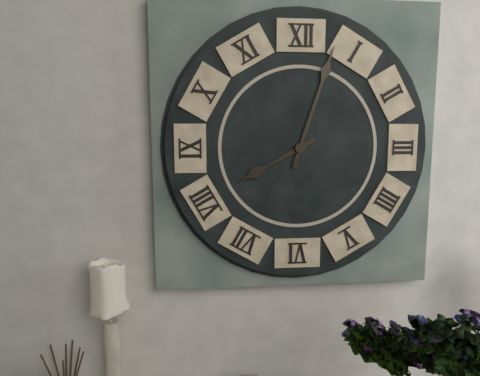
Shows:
{"hour": 8, "minute": 3}
